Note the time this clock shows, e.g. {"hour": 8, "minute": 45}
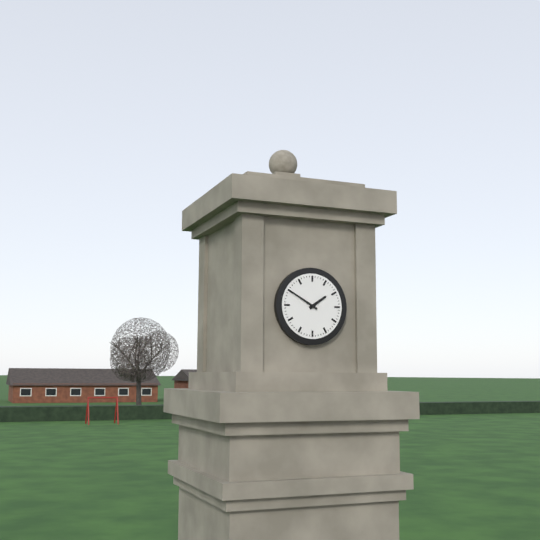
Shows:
{"hour": 1, "minute": 50}
